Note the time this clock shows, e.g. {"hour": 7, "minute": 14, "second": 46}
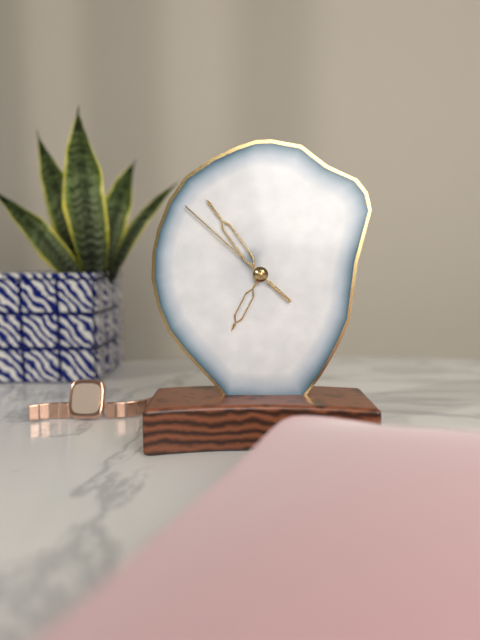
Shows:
{"hour": 6, "minute": 54, "second": 52}
